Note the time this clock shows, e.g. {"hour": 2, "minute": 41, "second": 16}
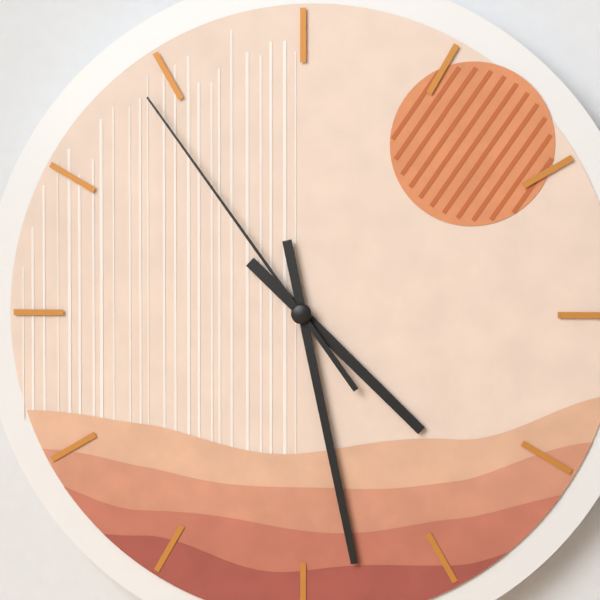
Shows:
{"hour": 4, "minute": 28, "second": 54}
